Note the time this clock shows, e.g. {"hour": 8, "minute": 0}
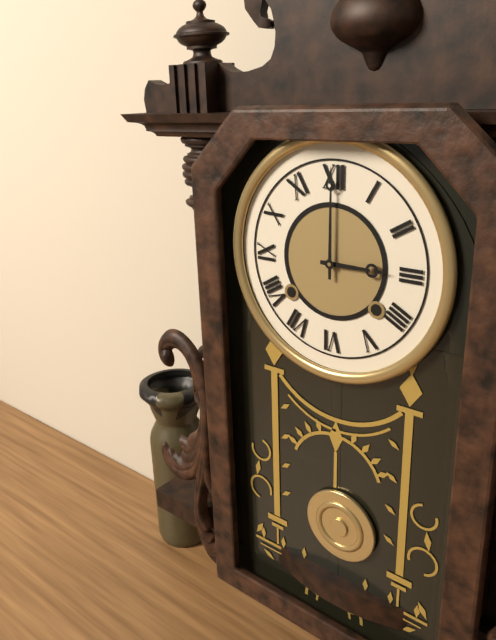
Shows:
{"hour": 3, "minute": 0}
